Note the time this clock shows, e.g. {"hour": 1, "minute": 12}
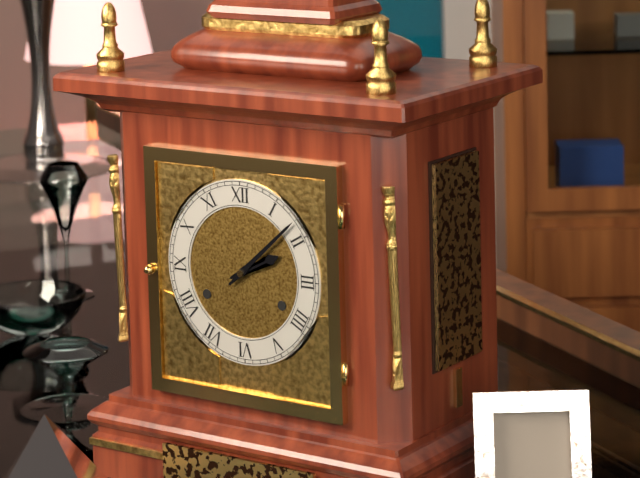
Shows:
{"hour": 2, "minute": 8}
